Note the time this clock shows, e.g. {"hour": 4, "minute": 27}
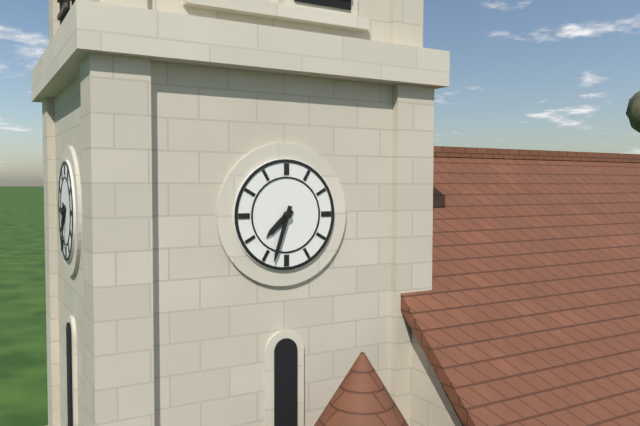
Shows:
{"hour": 7, "minute": 33}
